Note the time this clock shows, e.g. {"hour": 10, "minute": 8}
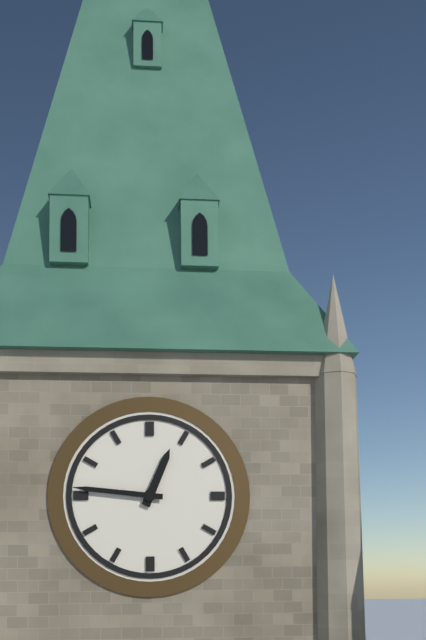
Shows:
{"hour": 12, "minute": 46}
